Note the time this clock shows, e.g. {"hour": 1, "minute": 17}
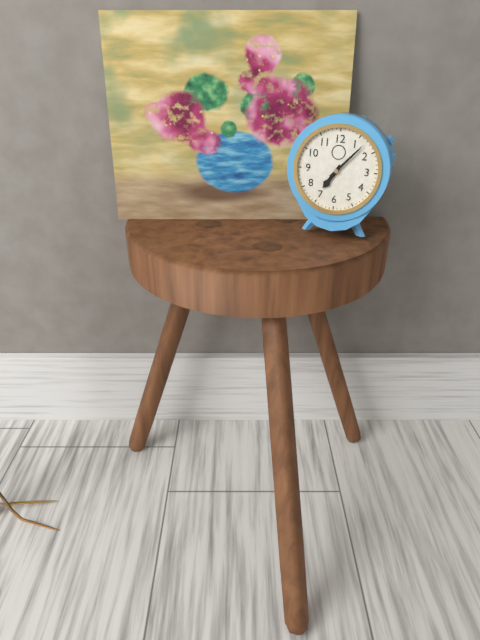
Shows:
{"hour": 7, "minute": 7}
